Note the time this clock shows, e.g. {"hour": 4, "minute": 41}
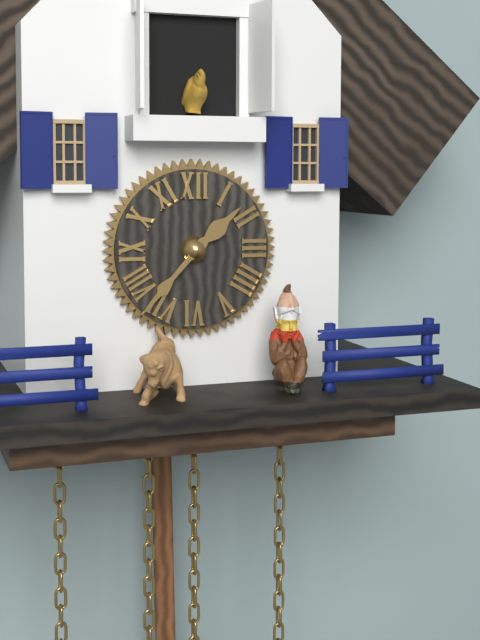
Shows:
{"hour": 1, "minute": 37}
